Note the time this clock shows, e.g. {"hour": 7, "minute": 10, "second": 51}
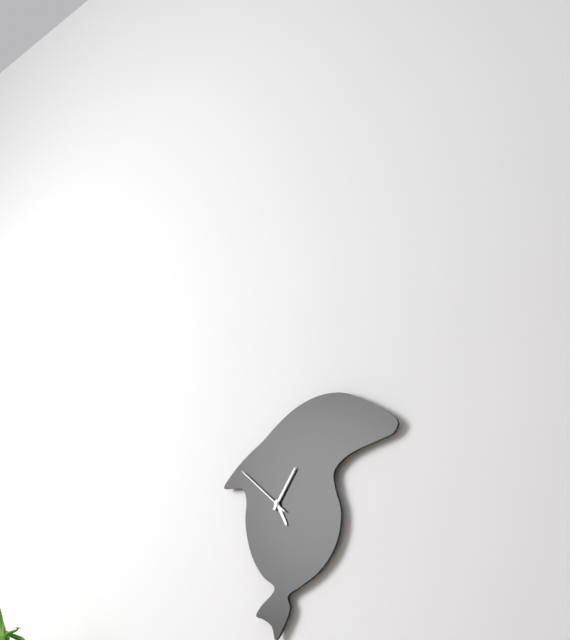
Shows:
{"hour": 5, "minute": 6, "second": 52}
